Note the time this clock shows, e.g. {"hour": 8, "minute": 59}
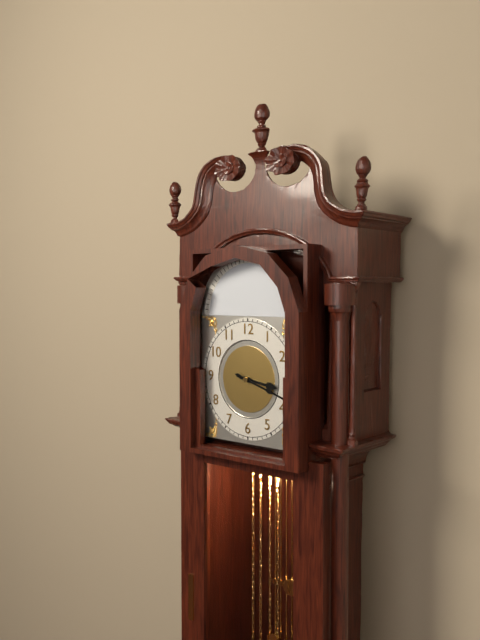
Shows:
{"hour": 3, "minute": 18}
